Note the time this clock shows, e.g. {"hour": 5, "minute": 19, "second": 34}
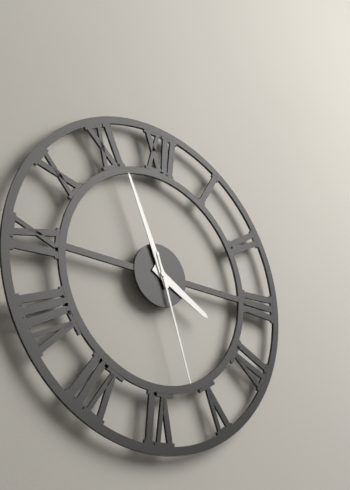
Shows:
{"hour": 3, "minute": 56, "second": 27}
